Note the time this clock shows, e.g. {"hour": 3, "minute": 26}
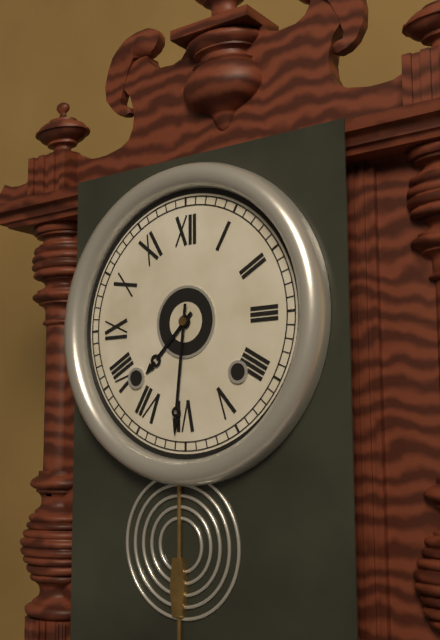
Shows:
{"hour": 7, "minute": 31}
